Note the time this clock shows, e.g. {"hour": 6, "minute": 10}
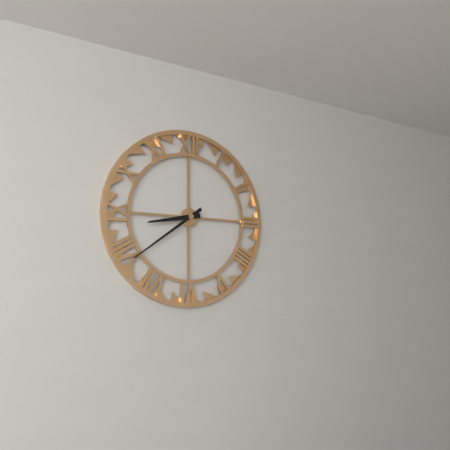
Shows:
{"hour": 8, "minute": 39}
